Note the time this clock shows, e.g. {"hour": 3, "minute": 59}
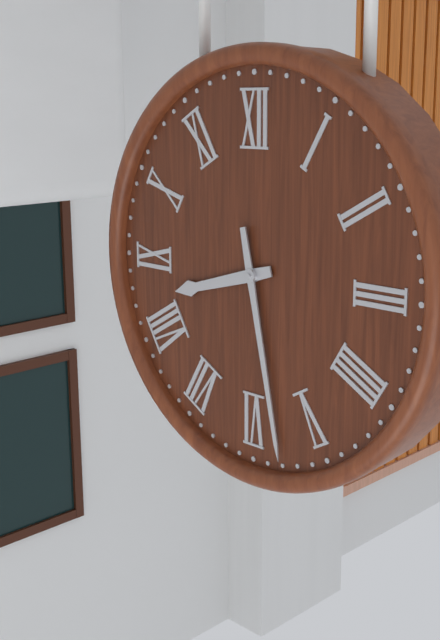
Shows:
{"hour": 8, "minute": 28}
